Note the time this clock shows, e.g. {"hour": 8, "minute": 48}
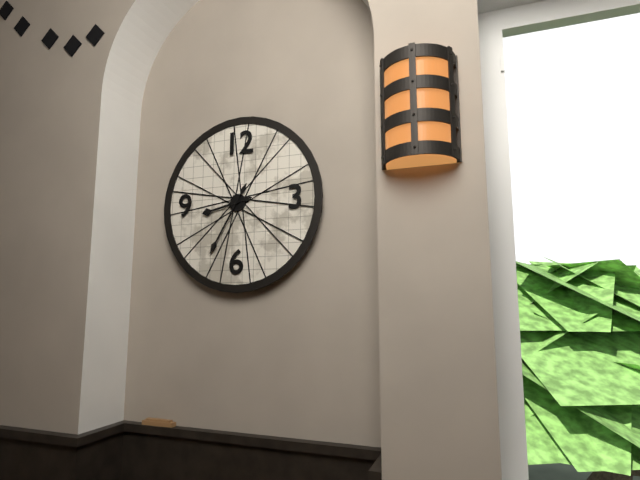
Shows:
{"hour": 8, "minute": 35}
